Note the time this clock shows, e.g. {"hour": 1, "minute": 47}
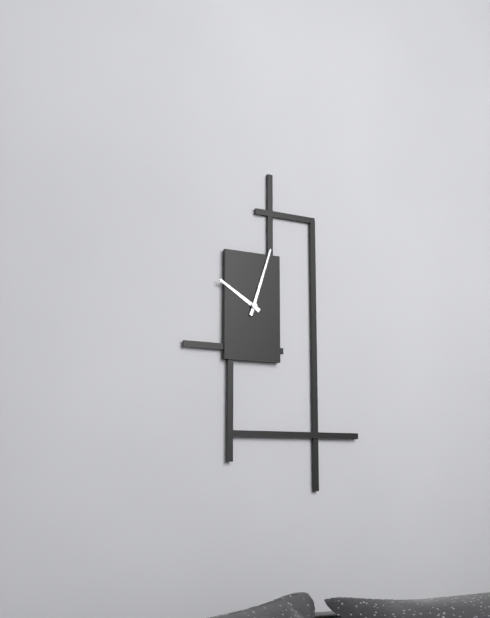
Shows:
{"hour": 10, "minute": 3}
